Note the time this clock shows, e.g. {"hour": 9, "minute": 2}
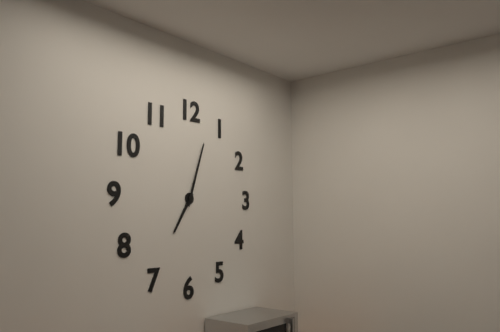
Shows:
{"hour": 7, "minute": 3}
